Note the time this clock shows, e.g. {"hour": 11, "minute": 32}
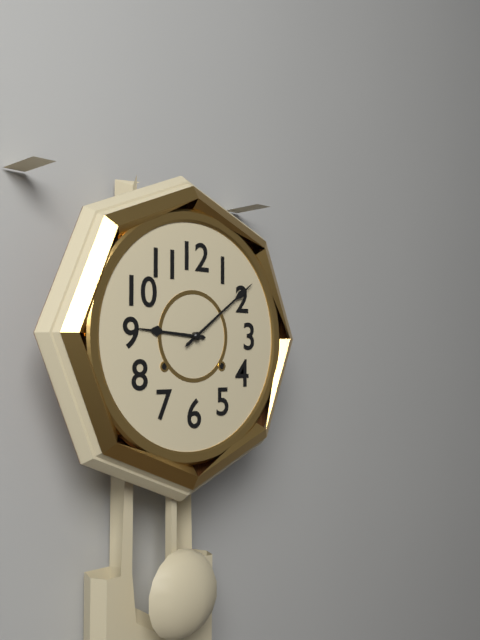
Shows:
{"hour": 9, "minute": 9}
